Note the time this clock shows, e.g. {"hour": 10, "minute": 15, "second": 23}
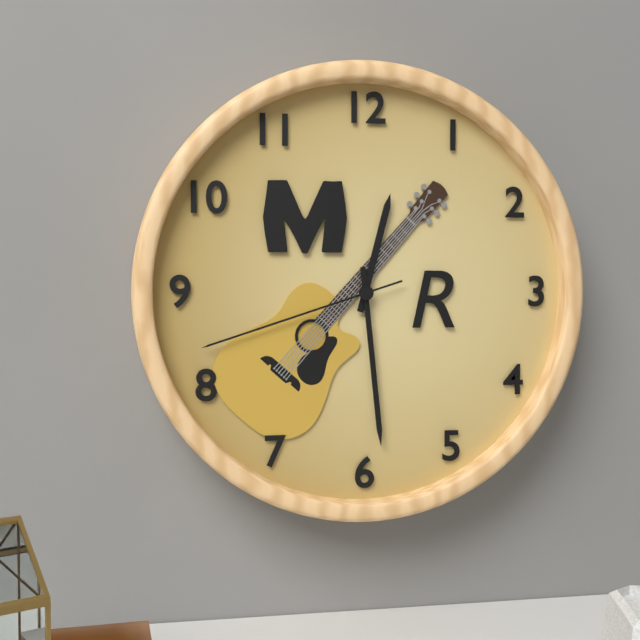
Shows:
{"hour": 12, "minute": 29, "second": 42}
